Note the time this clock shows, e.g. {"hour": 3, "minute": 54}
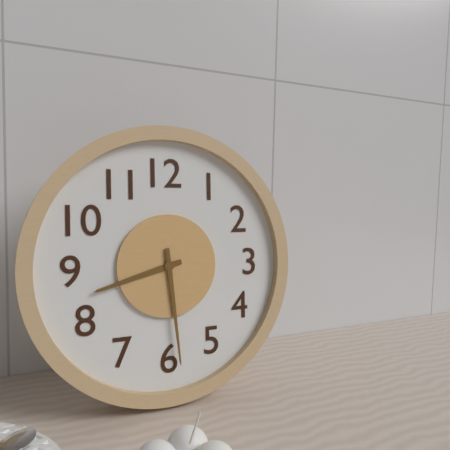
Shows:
{"hour": 8, "minute": 29}
